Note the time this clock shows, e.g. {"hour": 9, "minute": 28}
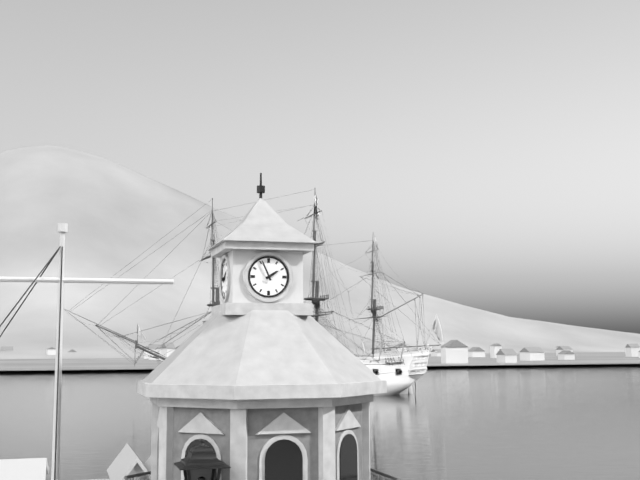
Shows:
{"hour": 1, "minute": 56}
